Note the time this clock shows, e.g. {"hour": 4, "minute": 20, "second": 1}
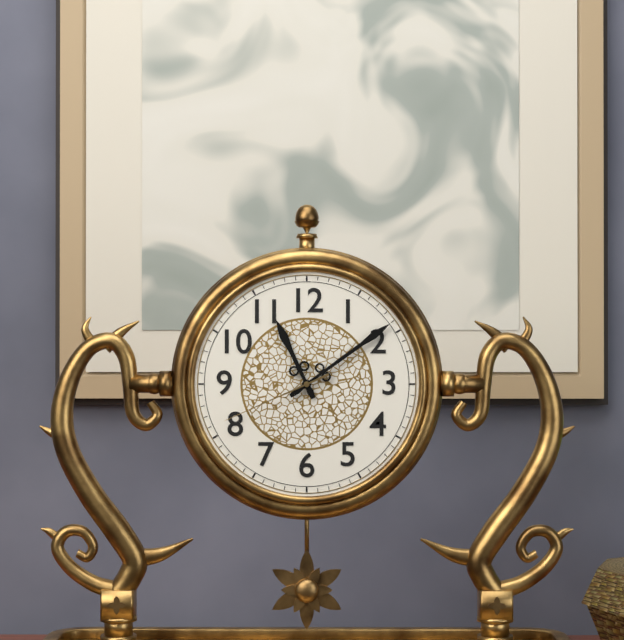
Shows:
{"hour": 11, "minute": 9, "second": 41}
